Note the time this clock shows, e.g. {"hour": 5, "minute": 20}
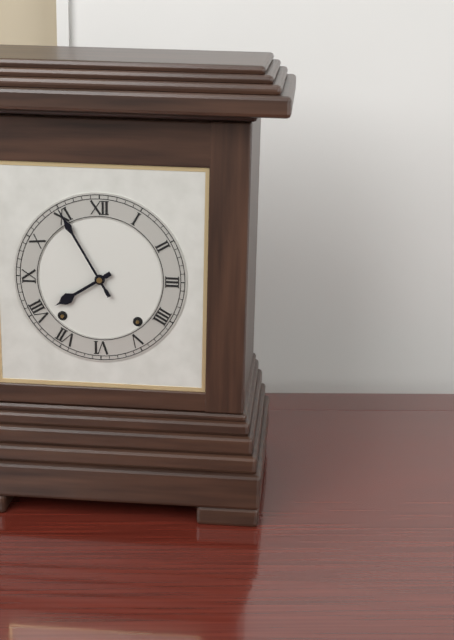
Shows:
{"hour": 7, "minute": 55}
